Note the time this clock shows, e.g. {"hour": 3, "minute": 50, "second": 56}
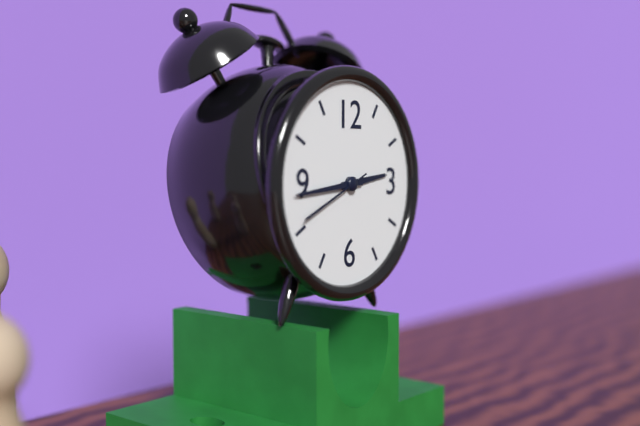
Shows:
{"hour": 2, "minute": 44, "second": 41}
